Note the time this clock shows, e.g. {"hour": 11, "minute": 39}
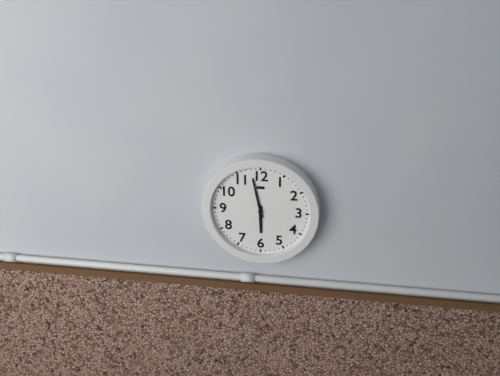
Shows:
{"hour": 5, "minute": 58}
